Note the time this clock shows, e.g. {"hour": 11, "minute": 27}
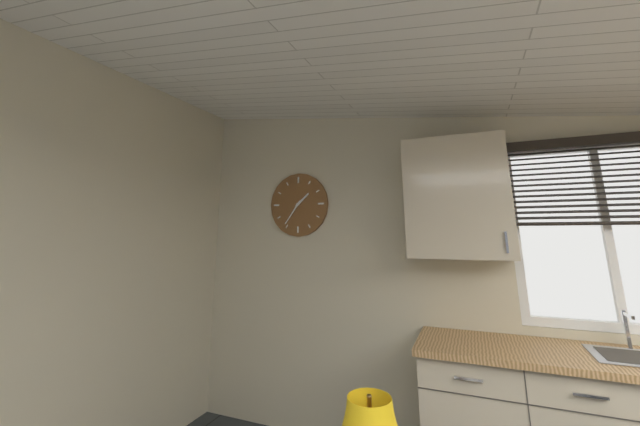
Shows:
{"hour": 1, "minute": 36}
